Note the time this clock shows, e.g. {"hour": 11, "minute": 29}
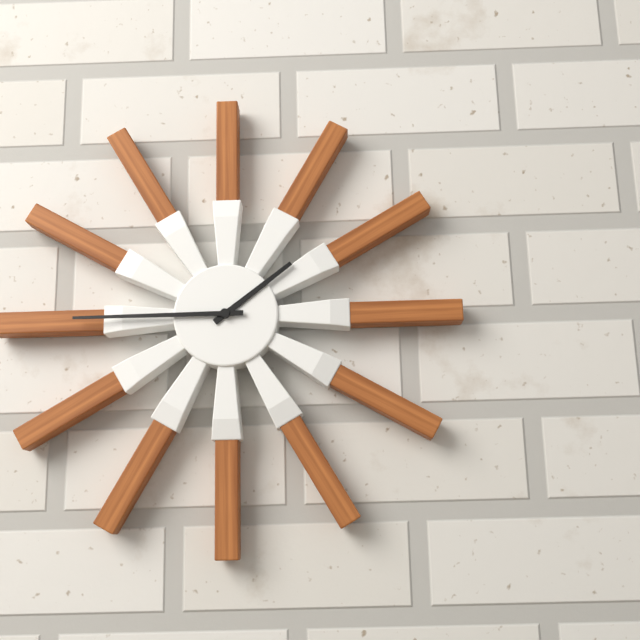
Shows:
{"hour": 1, "minute": 45}
